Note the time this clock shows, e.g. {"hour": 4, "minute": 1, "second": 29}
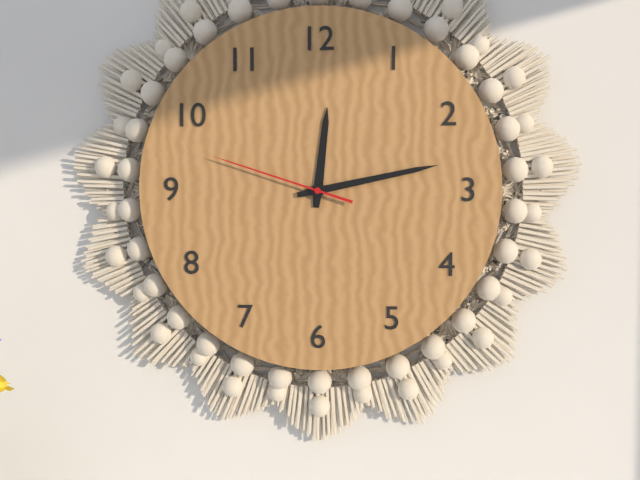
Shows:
{"hour": 12, "minute": 13, "second": 48}
